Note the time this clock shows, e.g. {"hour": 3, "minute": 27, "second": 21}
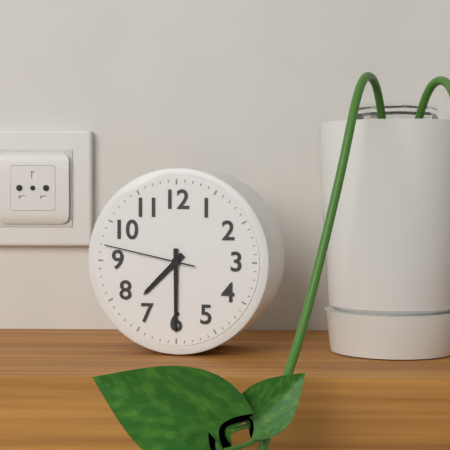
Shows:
{"hour": 7, "minute": 30, "second": 47}
